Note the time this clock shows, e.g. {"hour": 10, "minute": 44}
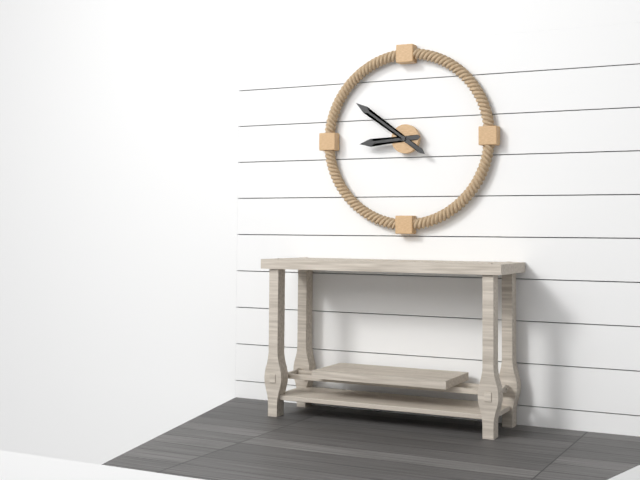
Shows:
{"hour": 8, "minute": 51}
